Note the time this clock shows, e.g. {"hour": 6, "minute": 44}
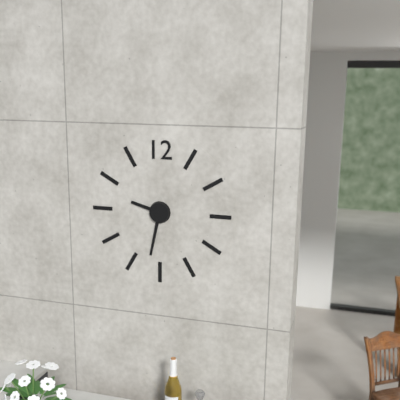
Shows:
{"hour": 9, "minute": 32}
